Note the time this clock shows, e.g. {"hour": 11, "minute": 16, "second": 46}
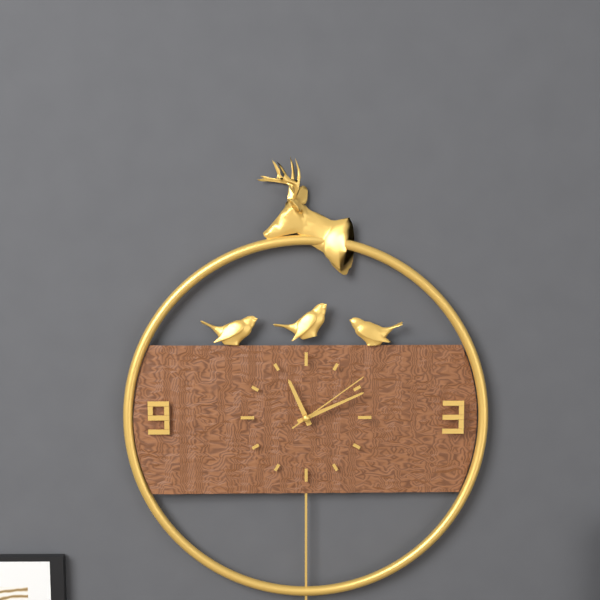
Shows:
{"hour": 11, "minute": 11, "second": 9}
